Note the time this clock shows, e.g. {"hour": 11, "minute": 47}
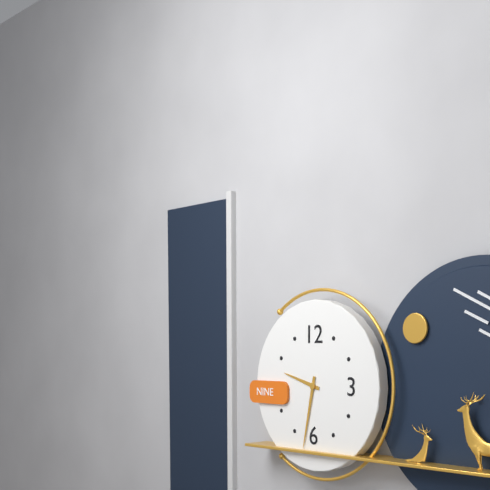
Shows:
{"hour": 9, "minute": 32}
